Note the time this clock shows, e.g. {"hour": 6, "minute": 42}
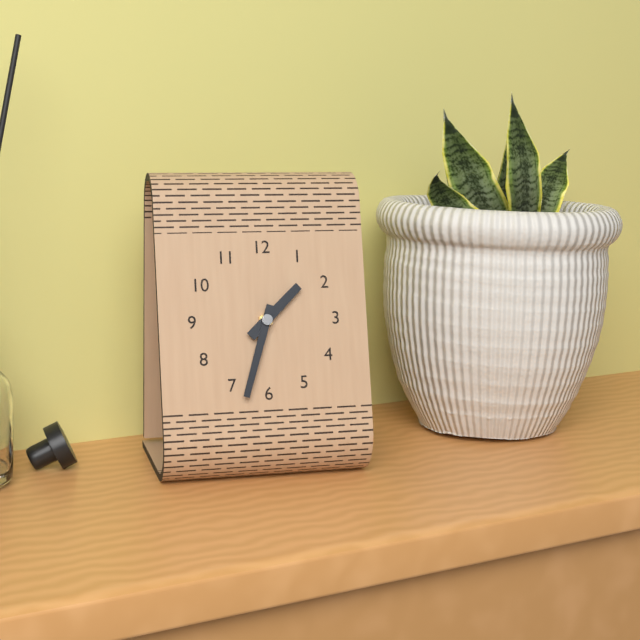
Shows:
{"hour": 1, "minute": 33}
